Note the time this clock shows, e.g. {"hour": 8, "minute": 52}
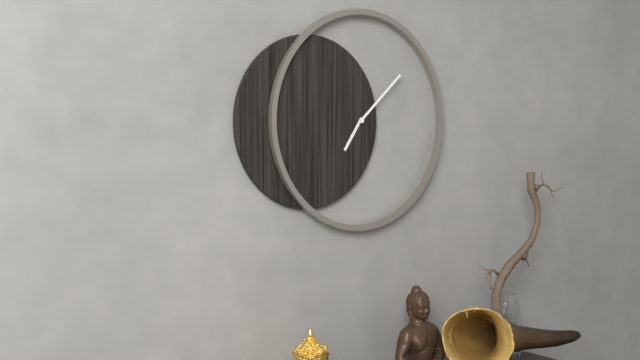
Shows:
{"hour": 7, "minute": 8}
